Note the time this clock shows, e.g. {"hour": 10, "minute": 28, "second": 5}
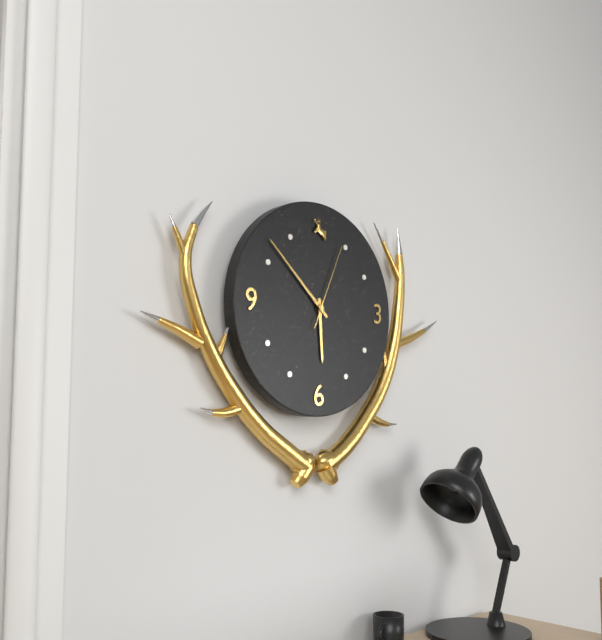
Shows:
{"hour": 5, "minute": 52, "second": 4}
